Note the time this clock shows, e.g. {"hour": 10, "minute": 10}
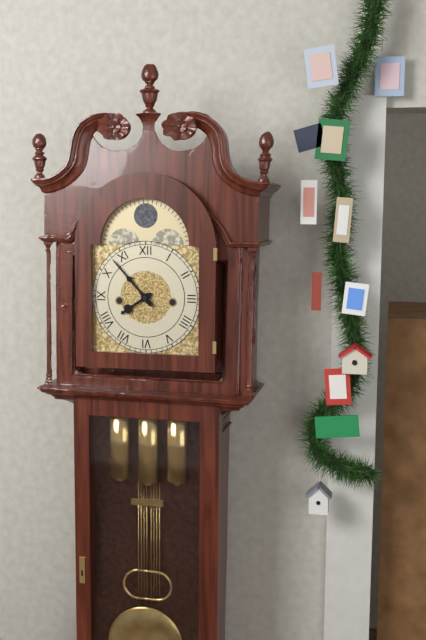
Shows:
{"hour": 7, "minute": 53}
